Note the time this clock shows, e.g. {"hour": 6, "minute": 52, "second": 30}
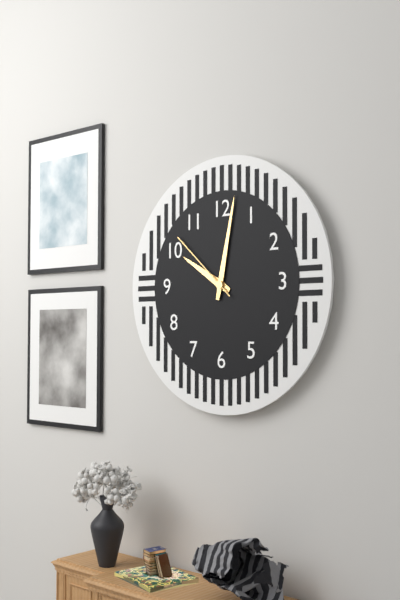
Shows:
{"hour": 10, "minute": 2, "second": 52}
